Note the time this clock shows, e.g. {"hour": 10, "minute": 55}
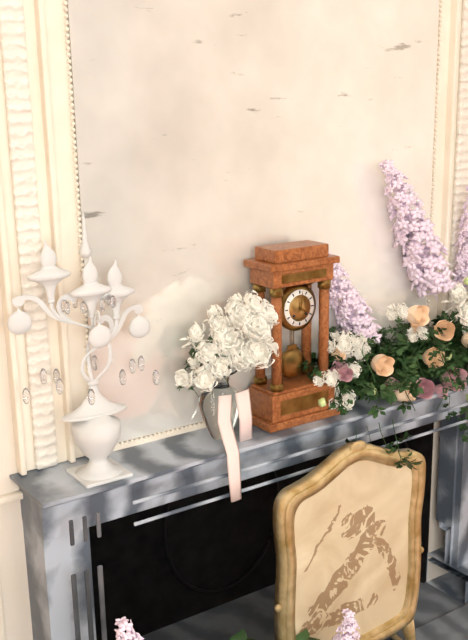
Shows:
{"hour": 4, "minute": 1}
